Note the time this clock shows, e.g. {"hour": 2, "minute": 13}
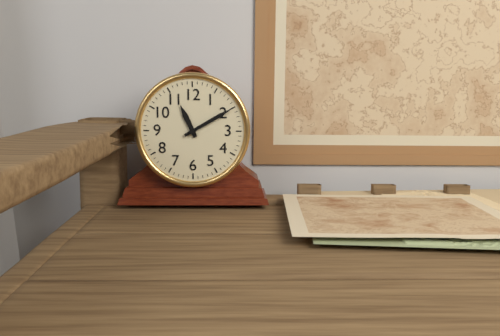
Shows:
{"hour": 11, "minute": 10}
